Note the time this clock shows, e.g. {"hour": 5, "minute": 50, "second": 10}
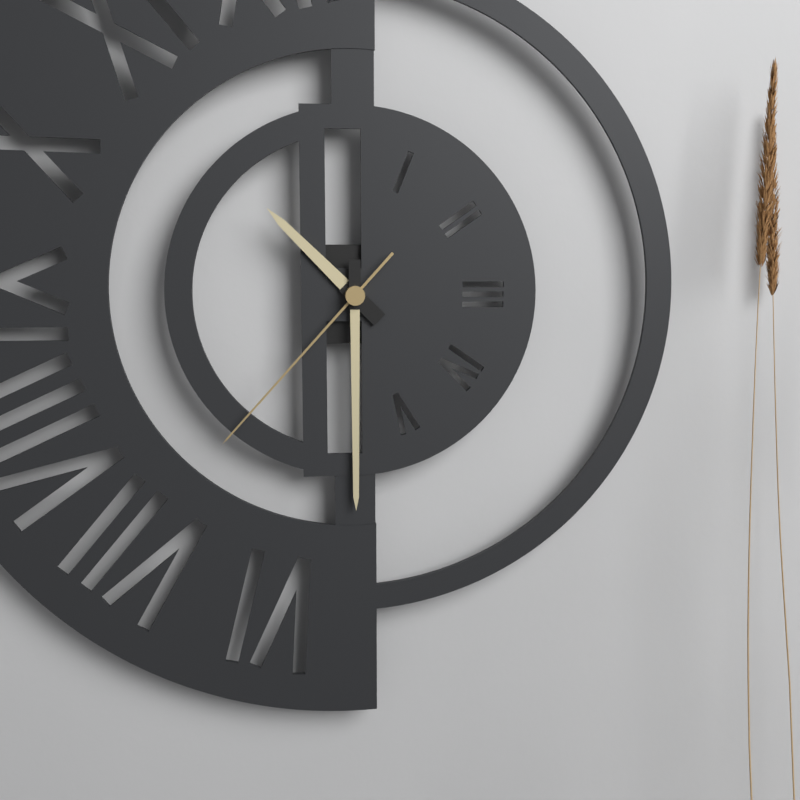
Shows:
{"hour": 10, "minute": 30, "second": 37}
